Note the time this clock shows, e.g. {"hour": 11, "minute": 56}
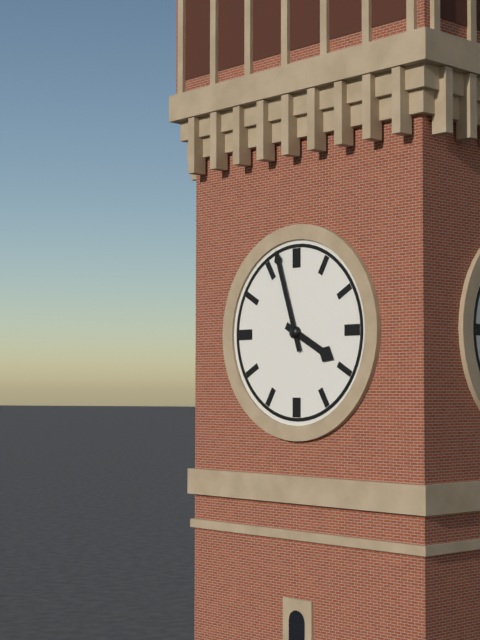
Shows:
{"hour": 3, "minute": 57}
